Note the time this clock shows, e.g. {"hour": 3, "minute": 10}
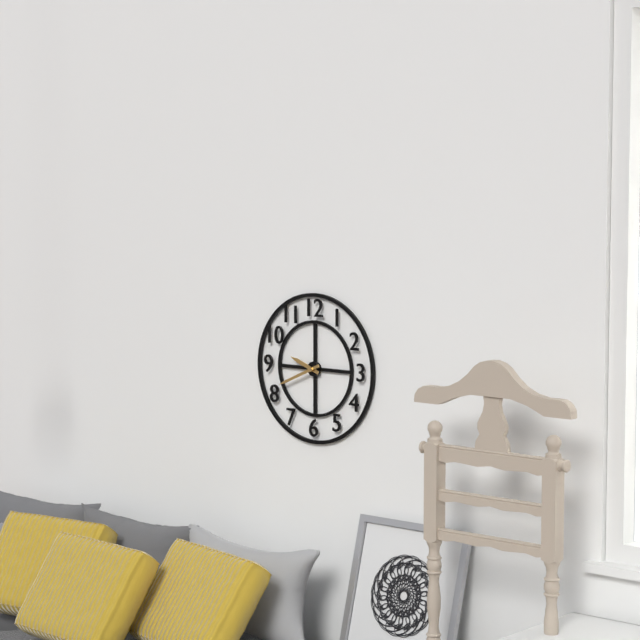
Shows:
{"hour": 9, "minute": 41}
